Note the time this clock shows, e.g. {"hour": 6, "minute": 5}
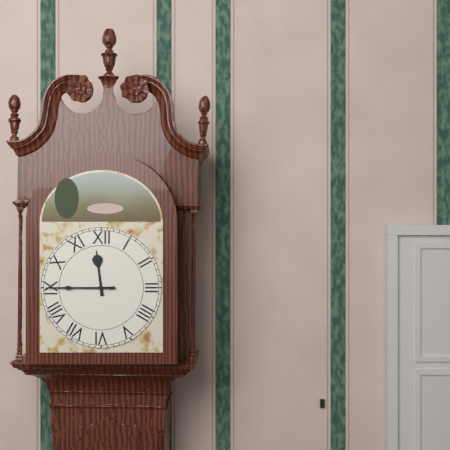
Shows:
{"hour": 11, "minute": 45}
